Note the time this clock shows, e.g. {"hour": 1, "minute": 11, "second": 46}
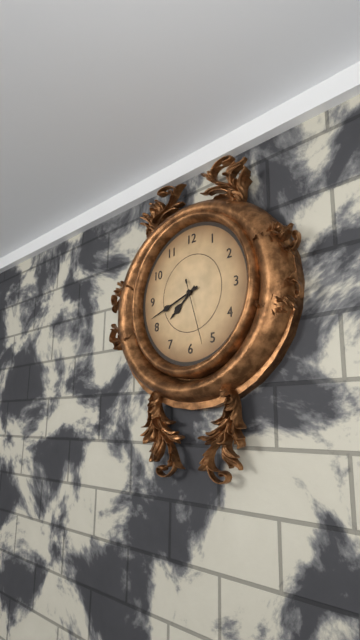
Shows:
{"hour": 7, "minute": 42, "second": 27}
